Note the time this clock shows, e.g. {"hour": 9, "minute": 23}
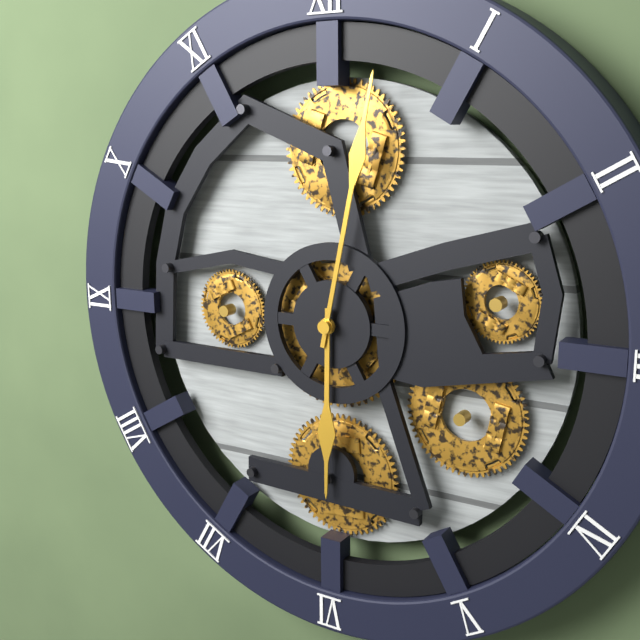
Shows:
{"hour": 6, "minute": 2}
